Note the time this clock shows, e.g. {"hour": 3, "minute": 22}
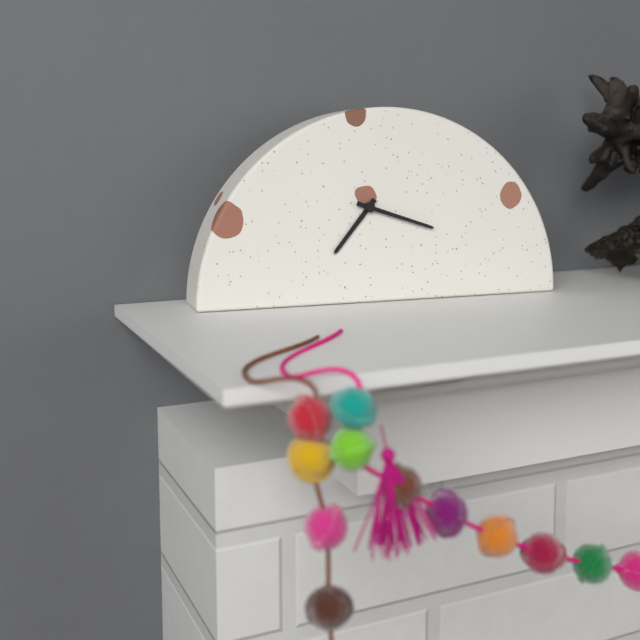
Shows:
{"hour": 7, "minute": 18}
